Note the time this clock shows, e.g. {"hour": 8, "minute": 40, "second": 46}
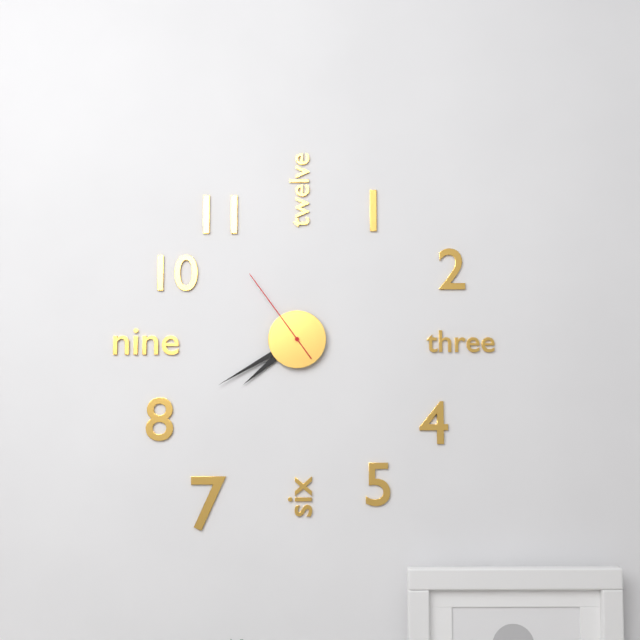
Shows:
{"hour": 7, "minute": 40, "second": 54}
